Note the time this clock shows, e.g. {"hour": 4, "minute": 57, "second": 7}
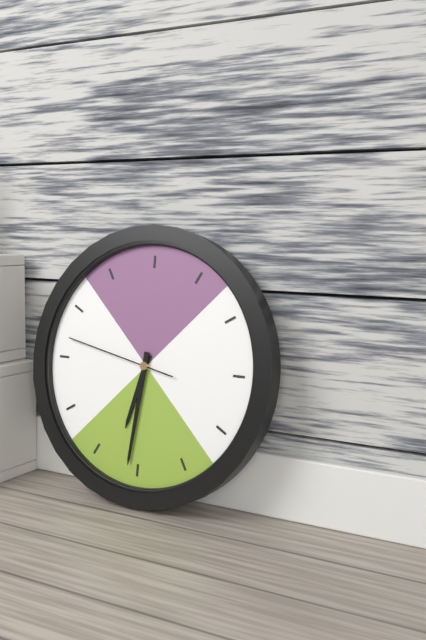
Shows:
{"hour": 6, "minute": 31, "second": 47}
